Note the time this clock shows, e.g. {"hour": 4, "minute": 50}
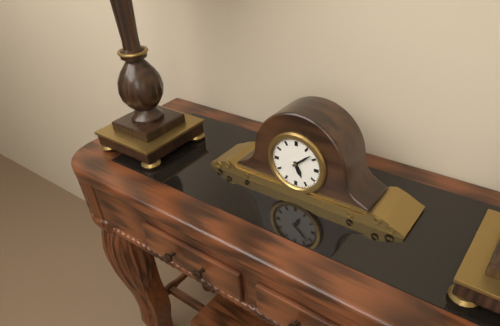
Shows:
{"hour": 5, "minute": 8}
